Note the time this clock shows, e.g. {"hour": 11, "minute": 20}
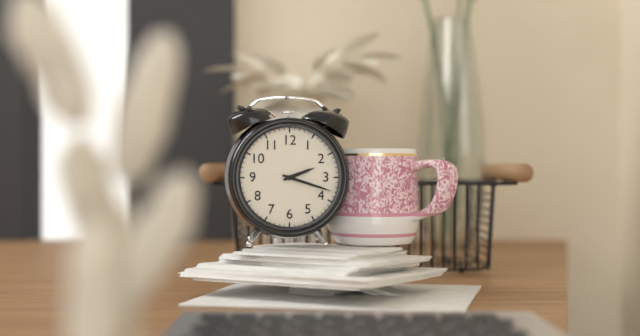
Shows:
{"hour": 2, "minute": 18}
